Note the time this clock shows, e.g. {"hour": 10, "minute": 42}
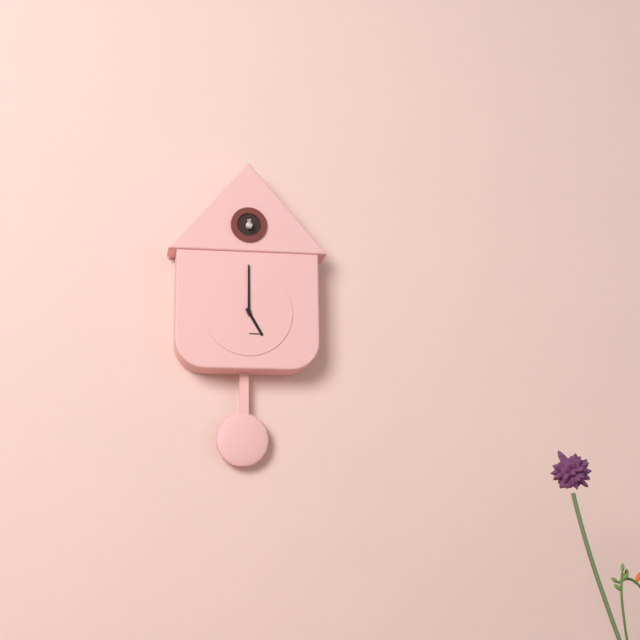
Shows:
{"hour": 5, "minute": 0}
